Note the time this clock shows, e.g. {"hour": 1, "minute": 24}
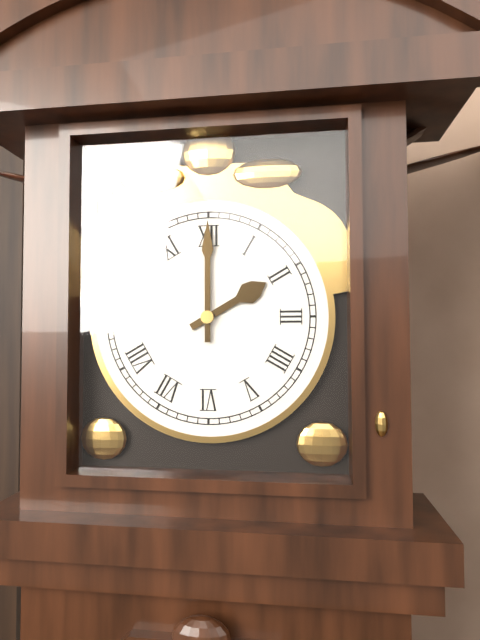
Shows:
{"hour": 2, "minute": 0}
